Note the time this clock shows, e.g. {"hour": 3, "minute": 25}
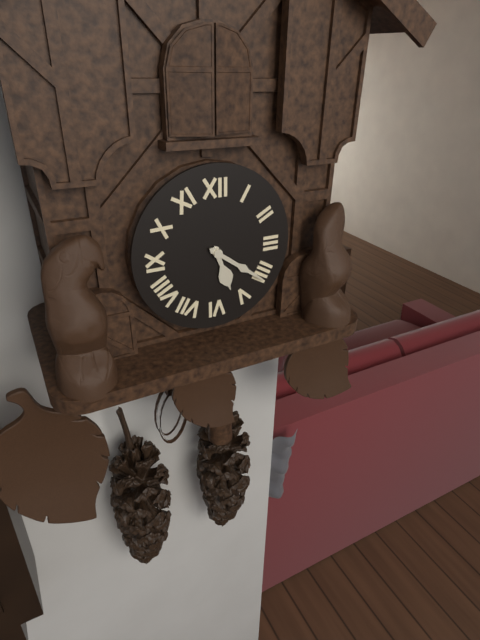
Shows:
{"hour": 5, "minute": 21}
